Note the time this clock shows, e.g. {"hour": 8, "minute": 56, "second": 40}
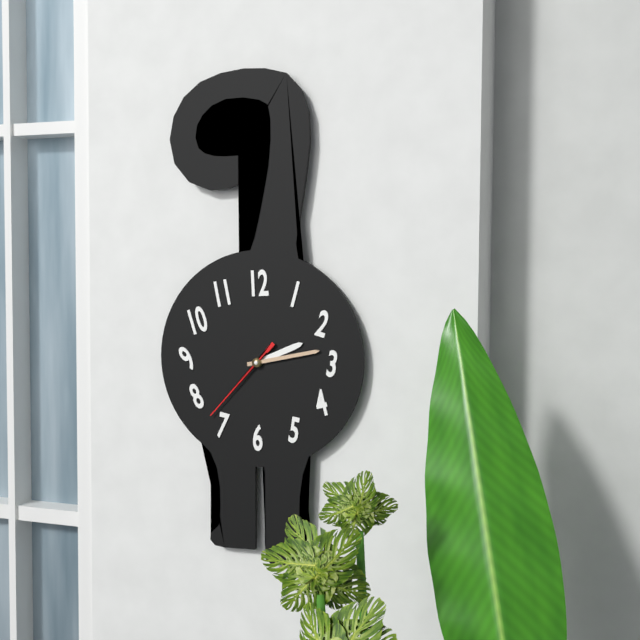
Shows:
{"hour": 2, "minute": 13, "second": 37}
